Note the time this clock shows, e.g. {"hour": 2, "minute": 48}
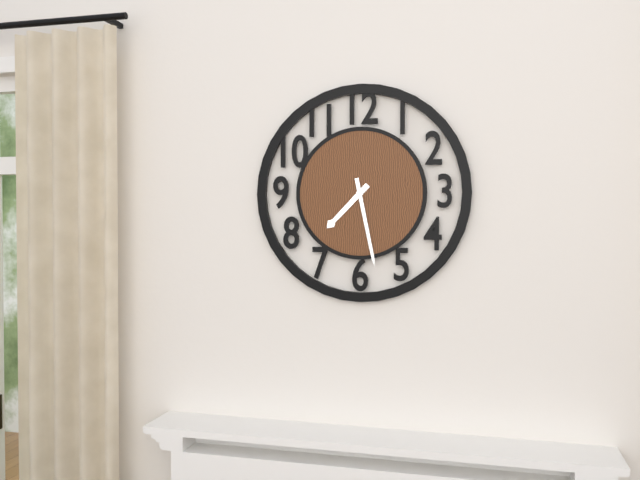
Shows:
{"hour": 7, "minute": 28}
